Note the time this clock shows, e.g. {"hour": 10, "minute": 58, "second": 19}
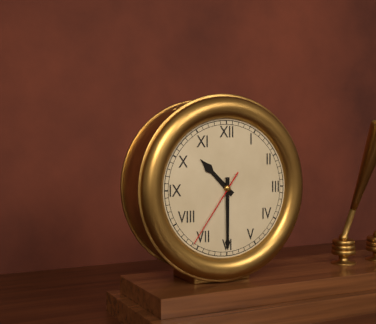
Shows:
{"hour": 10, "minute": 30, "second": 36}
